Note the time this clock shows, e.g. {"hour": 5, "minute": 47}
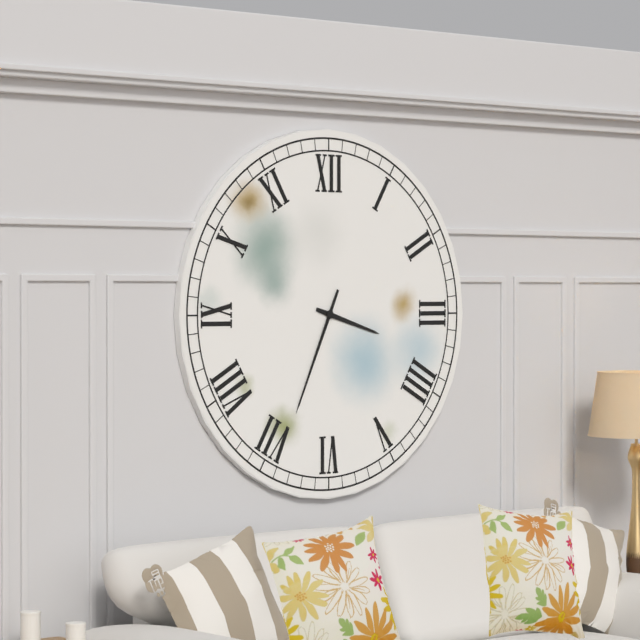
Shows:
{"hour": 3, "minute": 34}
